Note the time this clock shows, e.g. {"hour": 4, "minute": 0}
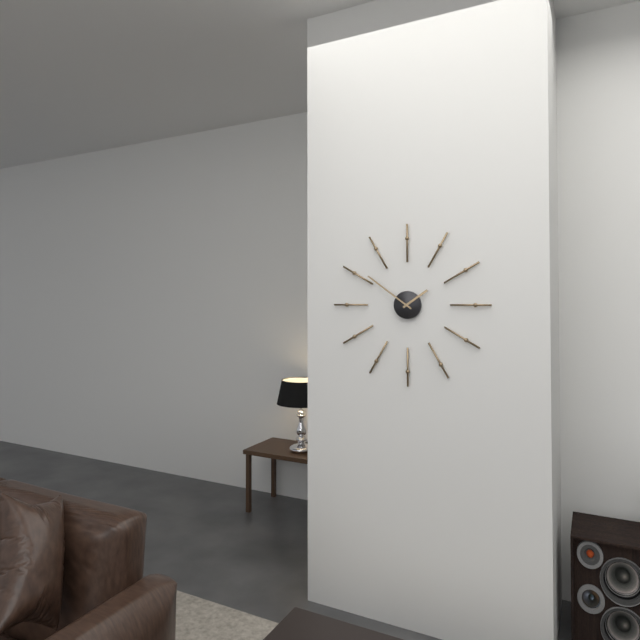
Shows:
{"hour": 1, "minute": 51}
